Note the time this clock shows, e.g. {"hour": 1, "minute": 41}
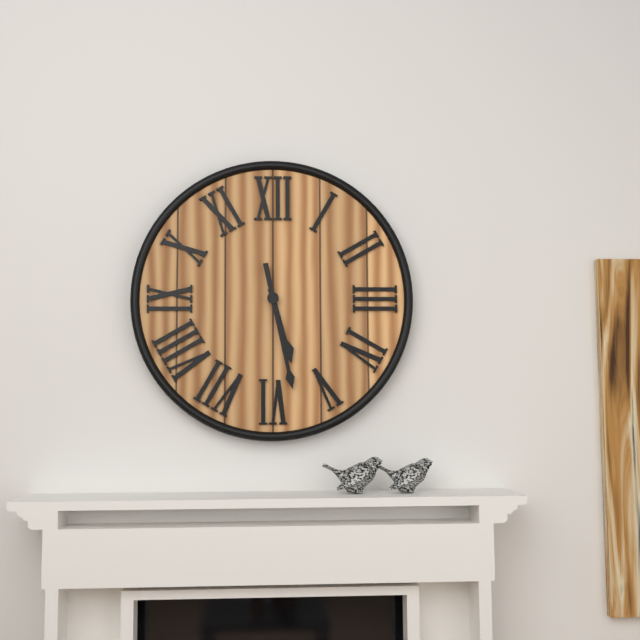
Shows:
{"hour": 5, "minute": 28}
